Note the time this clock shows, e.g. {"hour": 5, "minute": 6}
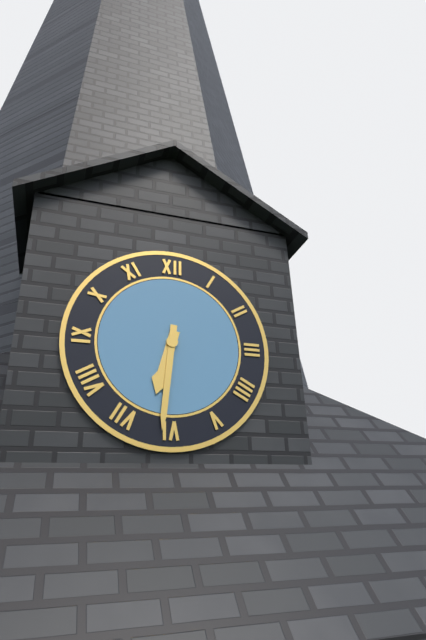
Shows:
{"hour": 6, "minute": 31}
